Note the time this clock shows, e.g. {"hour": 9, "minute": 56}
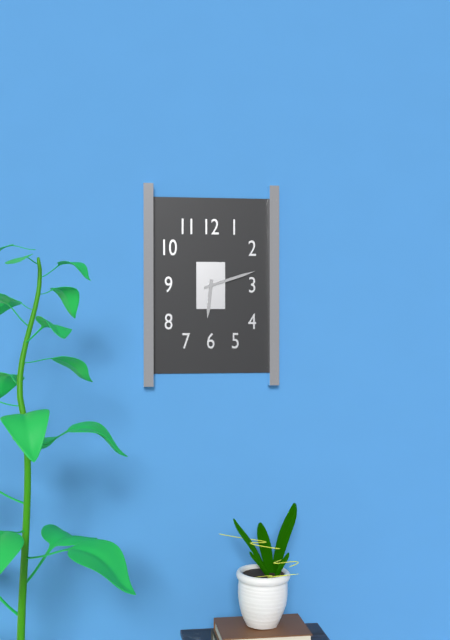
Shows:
{"hour": 6, "minute": 12}
